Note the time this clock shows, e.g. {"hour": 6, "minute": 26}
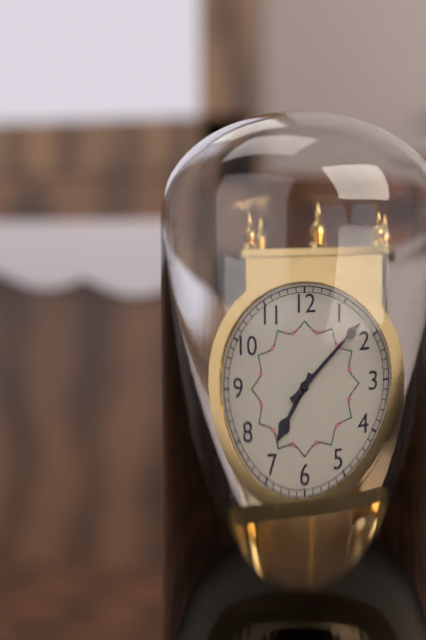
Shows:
{"hour": 7, "minute": 8}
